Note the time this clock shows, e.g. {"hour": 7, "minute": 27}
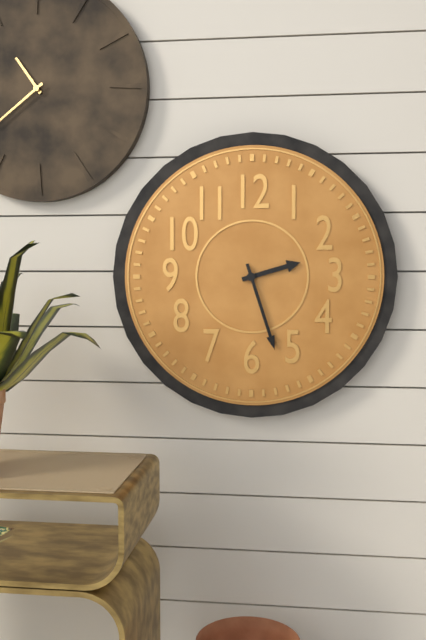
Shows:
{"hour": 2, "minute": 27}
